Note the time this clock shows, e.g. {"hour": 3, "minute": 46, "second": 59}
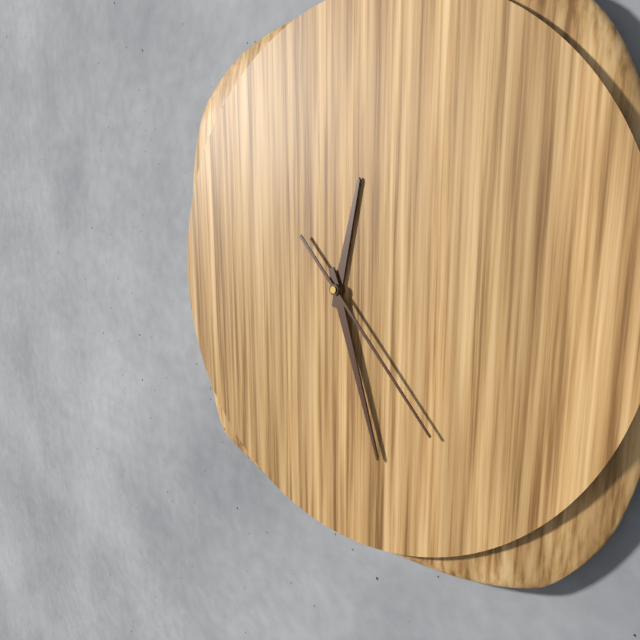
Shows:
{"hour": 12, "minute": 27, "second": 23}
